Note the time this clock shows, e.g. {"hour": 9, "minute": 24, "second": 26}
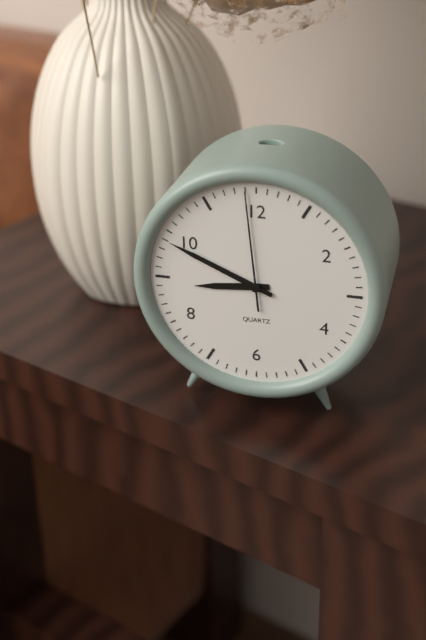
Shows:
{"hour": 8, "minute": 49, "second": 59}
